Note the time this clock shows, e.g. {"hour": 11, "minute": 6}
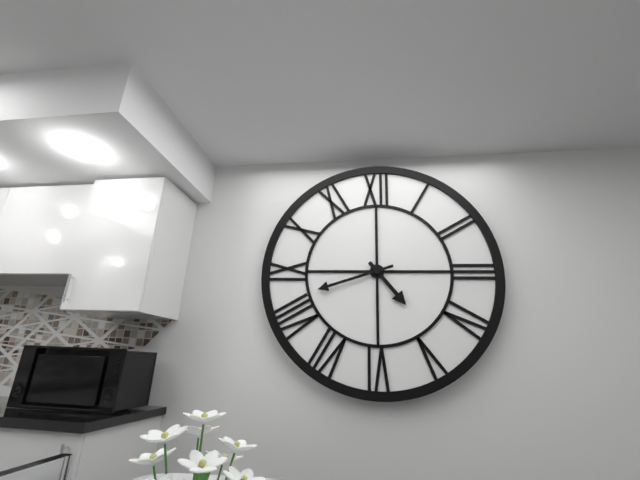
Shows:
{"hour": 4, "minute": 42}
